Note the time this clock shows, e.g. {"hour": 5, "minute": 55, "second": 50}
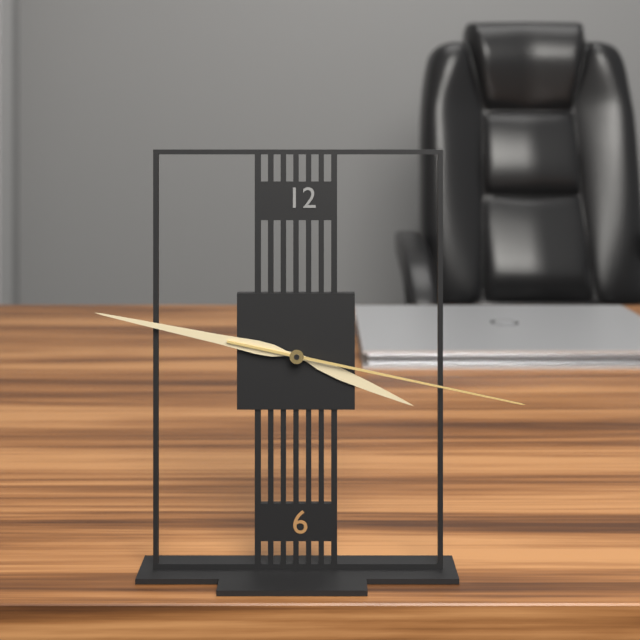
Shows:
{"hour": 3, "minute": 47, "second": 17}
